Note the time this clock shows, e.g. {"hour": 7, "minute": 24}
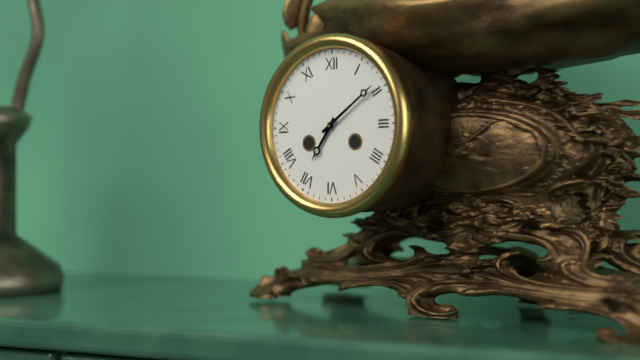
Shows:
{"hour": 7, "minute": 9}
